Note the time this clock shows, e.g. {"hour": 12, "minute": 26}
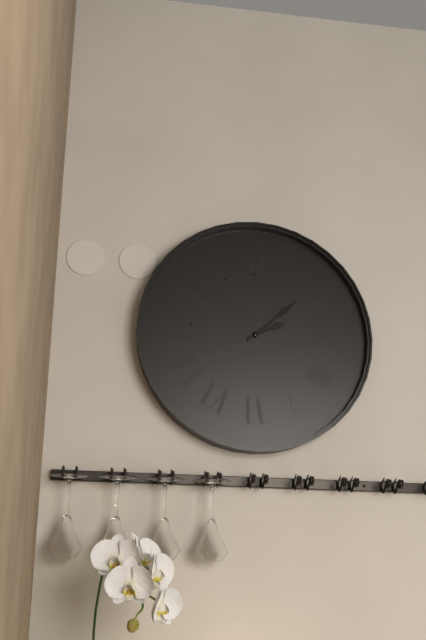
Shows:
{"hour": 2, "minute": 8}
